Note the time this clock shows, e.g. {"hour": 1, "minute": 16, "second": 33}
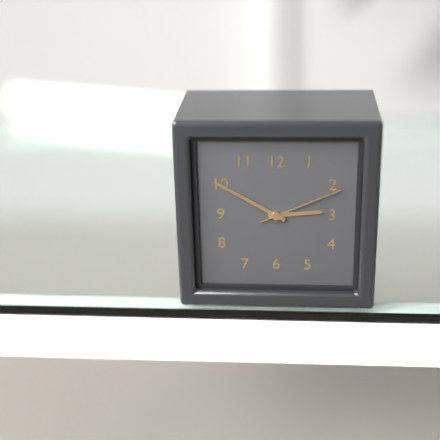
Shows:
{"hour": 2, "minute": 50, "second": 11}
